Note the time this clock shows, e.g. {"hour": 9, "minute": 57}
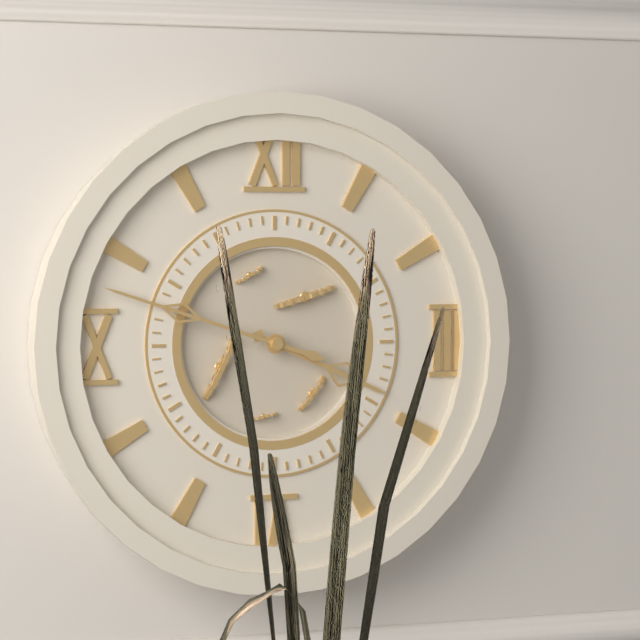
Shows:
{"hour": 3, "minute": 48}
